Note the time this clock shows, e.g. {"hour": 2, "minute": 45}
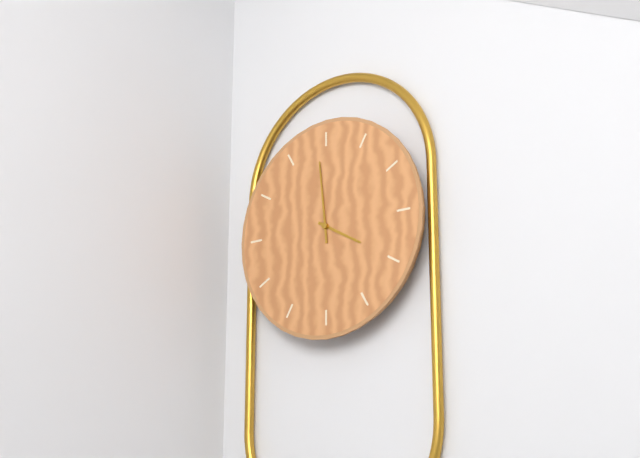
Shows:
{"hour": 3, "minute": 59}
